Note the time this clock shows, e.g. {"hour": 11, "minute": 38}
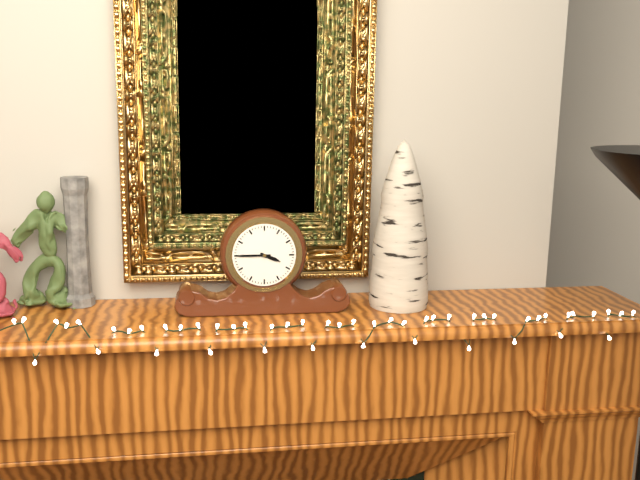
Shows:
{"hour": 3, "minute": 45}
